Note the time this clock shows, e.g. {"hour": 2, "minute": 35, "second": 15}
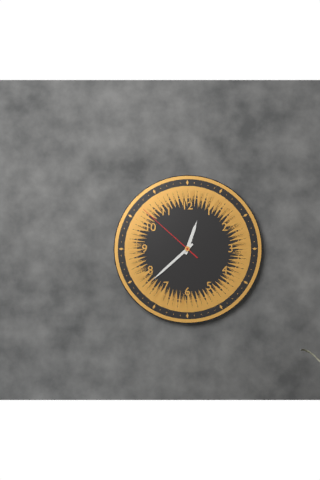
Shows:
{"hour": 12, "minute": 38, "second": 52}
